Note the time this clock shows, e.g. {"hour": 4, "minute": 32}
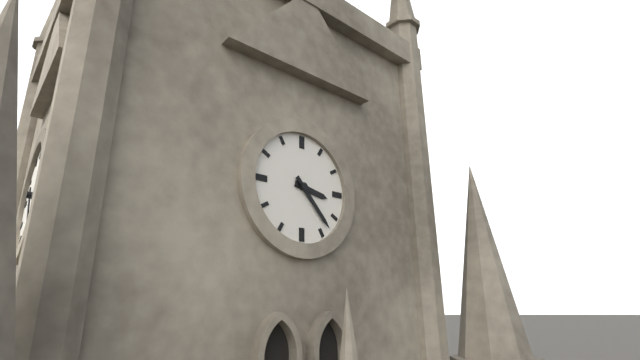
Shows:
{"hour": 3, "minute": 23}
